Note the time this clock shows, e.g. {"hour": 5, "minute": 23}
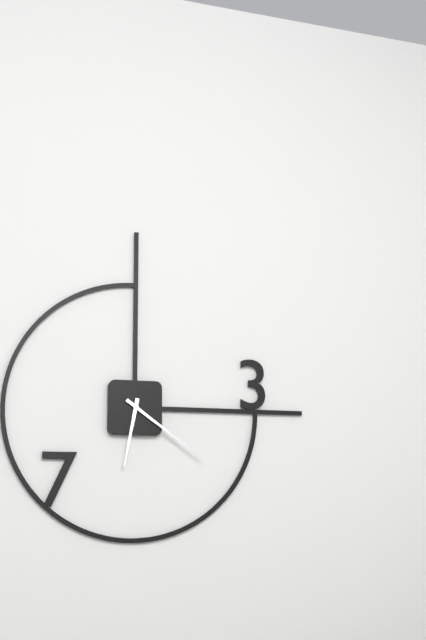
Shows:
{"hour": 6, "minute": 21}
